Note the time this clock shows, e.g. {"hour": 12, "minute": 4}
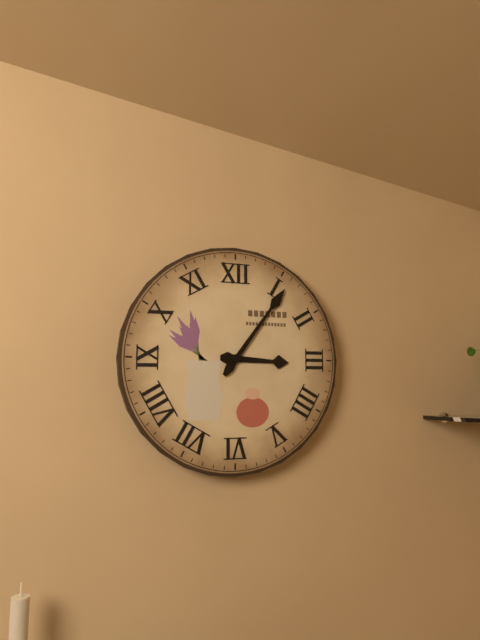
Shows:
{"hour": 3, "minute": 6}
